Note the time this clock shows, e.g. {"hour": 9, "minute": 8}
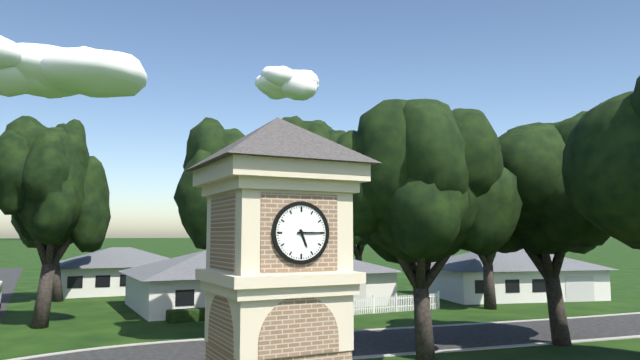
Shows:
{"hour": 5, "minute": 15}
